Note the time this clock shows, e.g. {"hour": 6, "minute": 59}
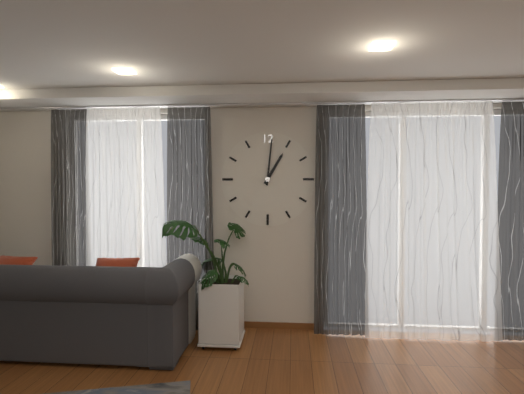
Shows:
{"hour": 1, "minute": 1}
